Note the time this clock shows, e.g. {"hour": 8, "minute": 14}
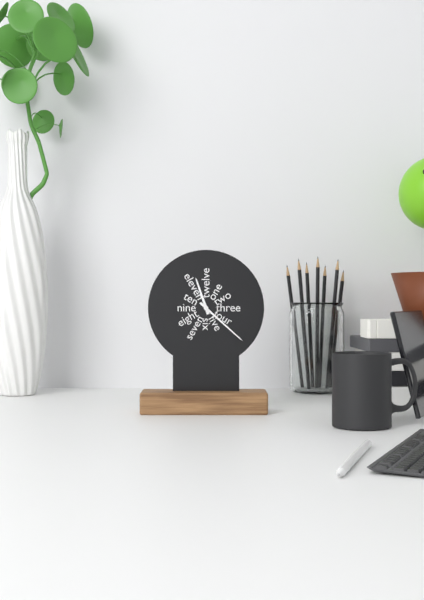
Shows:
{"hour": 11, "minute": 22}
